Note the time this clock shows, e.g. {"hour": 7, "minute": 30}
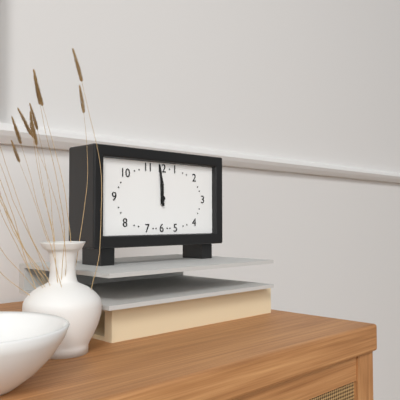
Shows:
{"hour": 11, "minute": 59}
